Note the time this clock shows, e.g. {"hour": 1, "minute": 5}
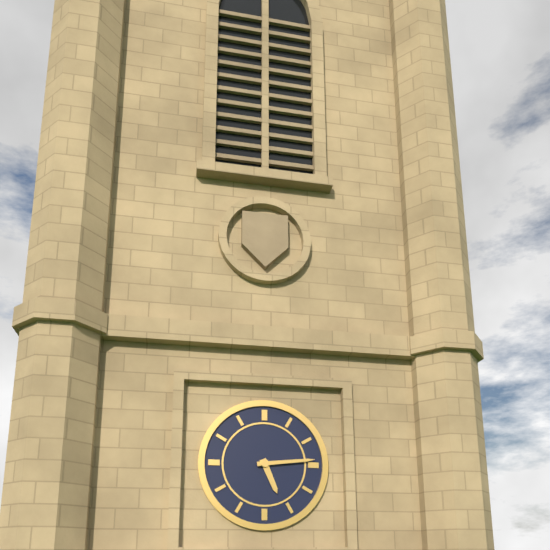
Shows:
{"hour": 5, "minute": 14}
